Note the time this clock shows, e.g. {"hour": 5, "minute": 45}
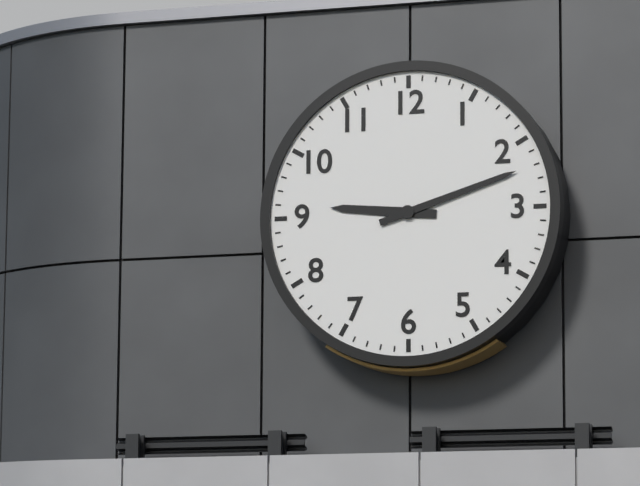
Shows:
{"hour": 9, "minute": 12}
